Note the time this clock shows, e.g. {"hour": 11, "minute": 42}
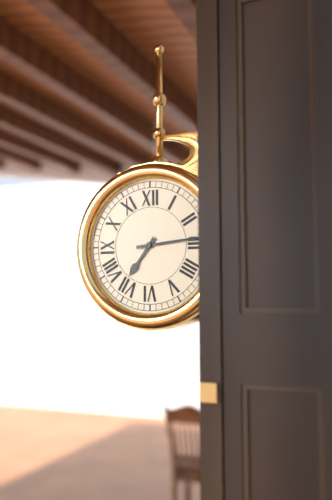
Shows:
{"hour": 7, "minute": 14}
